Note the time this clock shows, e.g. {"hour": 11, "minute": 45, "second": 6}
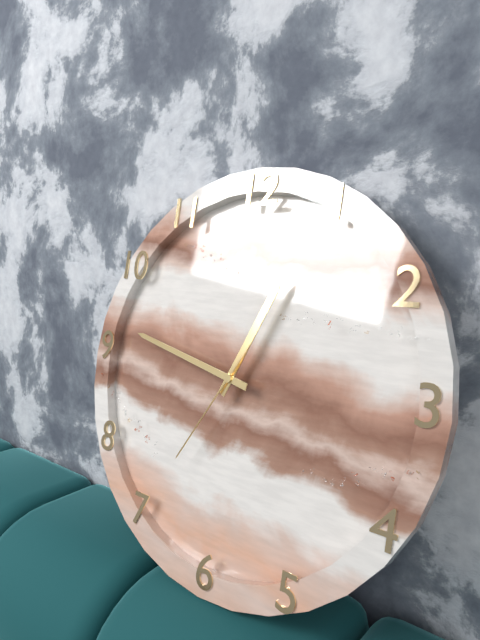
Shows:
{"hour": 12, "minute": 47, "second": 35}
